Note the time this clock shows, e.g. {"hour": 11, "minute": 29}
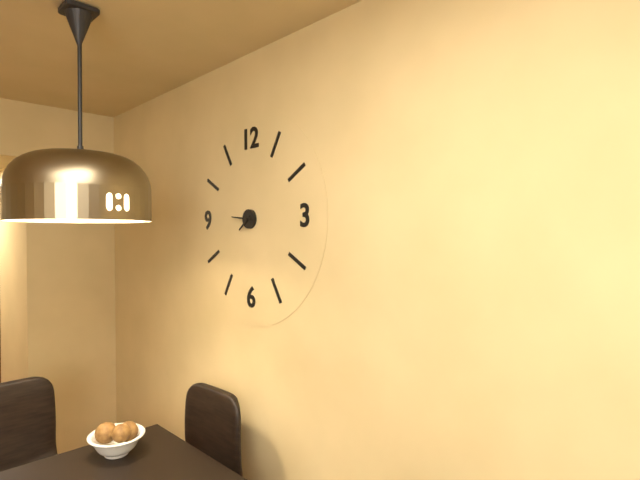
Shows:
{"hour": 7, "minute": 46}
